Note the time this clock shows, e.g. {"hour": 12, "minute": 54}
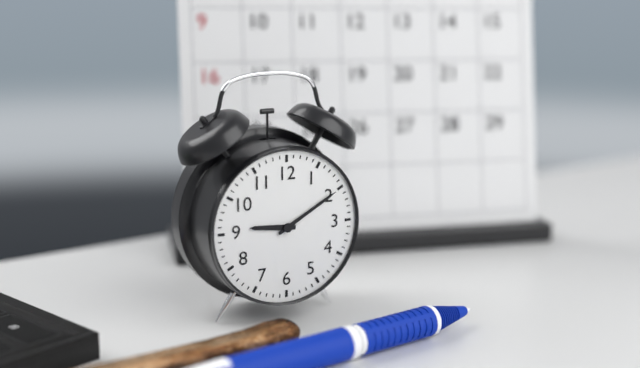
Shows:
{"hour": 9, "minute": 10}
